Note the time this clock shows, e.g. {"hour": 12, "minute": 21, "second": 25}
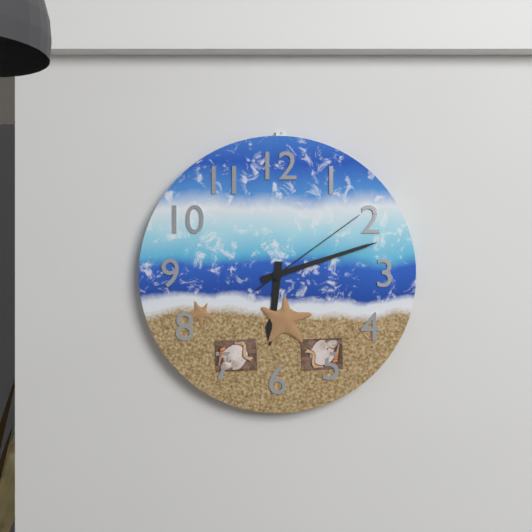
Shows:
{"hour": 6, "minute": 12, "second": 9}
